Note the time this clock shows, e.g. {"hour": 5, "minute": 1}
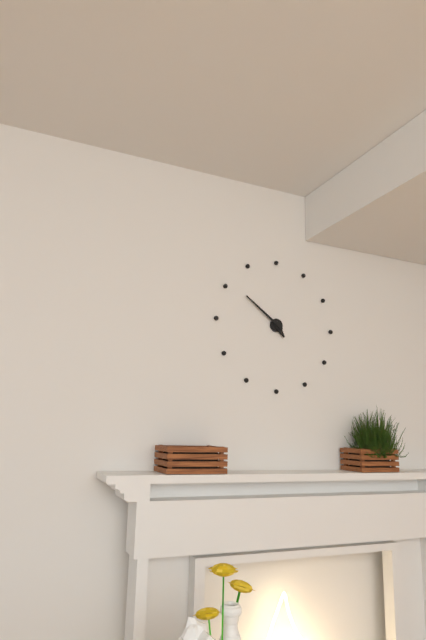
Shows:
{"hour": 4, "minute": 51}
